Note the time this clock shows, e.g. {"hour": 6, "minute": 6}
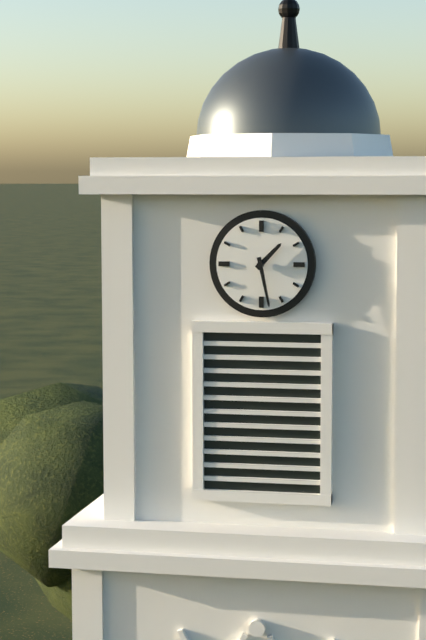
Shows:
{"hour": 1, "minute": 28}
